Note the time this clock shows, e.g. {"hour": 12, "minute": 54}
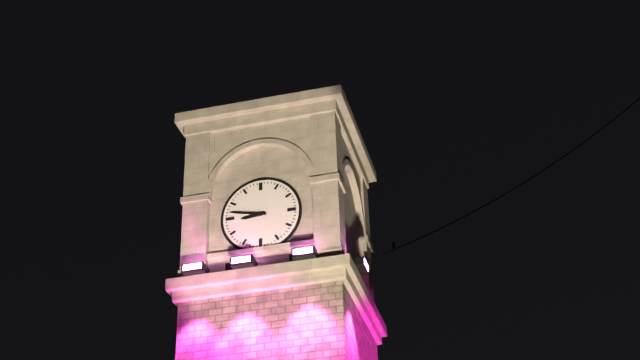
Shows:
{"hour": 8, "minute": 47}
